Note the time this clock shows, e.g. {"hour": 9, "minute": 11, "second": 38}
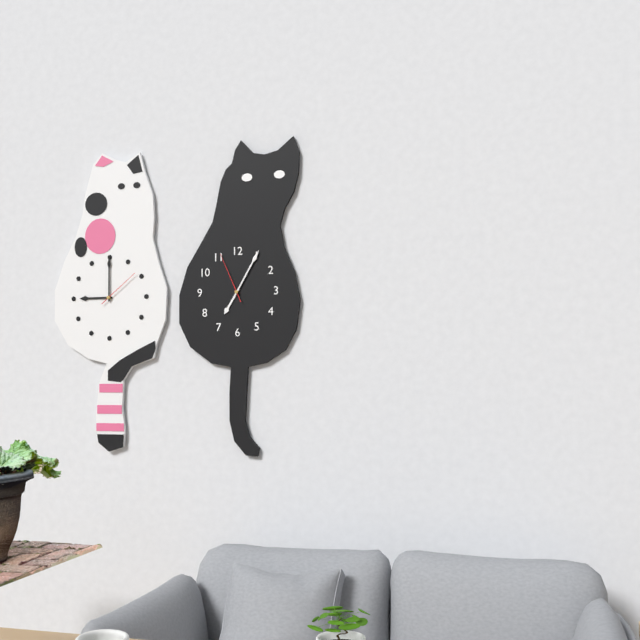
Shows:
{"hour": 7, "minute": 5, "second": 56}
